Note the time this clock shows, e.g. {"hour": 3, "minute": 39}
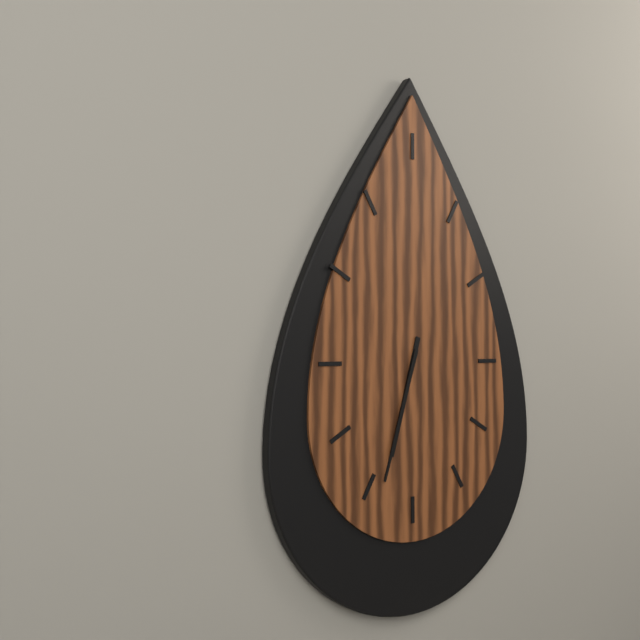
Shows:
{"hour": 6, "minute": 33}
